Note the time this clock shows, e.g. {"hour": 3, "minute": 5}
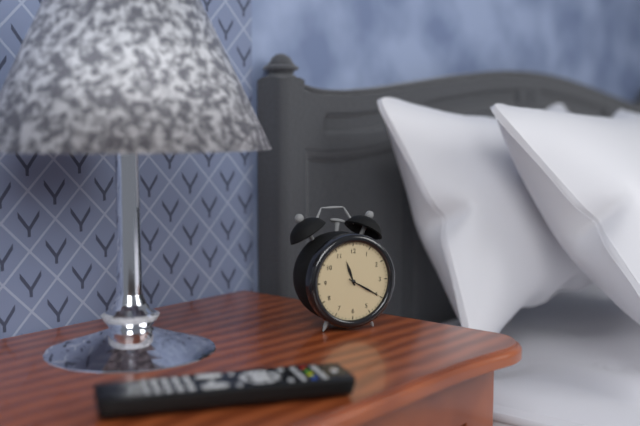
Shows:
{"hour": 11, "minute": 20}
